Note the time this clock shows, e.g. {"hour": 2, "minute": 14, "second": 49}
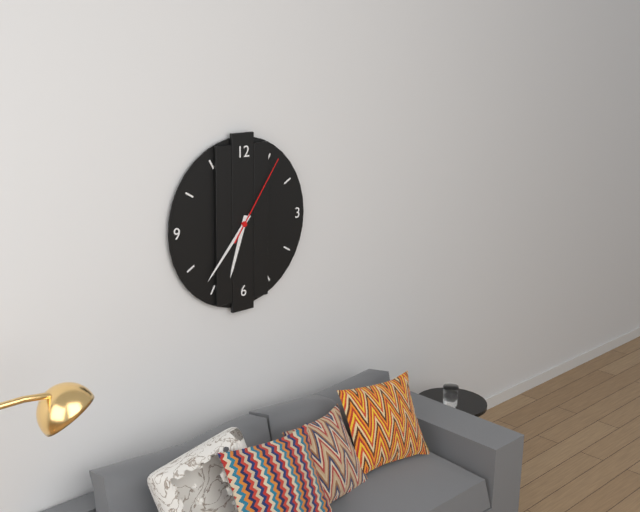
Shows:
{"hour": 6, "minute": 37, "second": 6}
